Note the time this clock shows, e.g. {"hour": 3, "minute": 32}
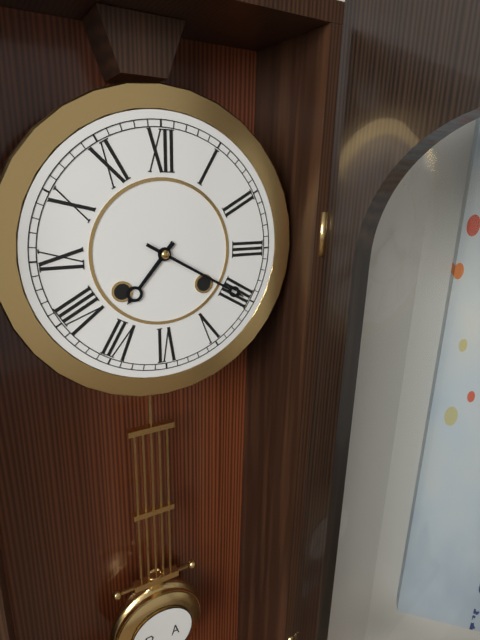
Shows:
{"hour": 7, "minute": 20}
